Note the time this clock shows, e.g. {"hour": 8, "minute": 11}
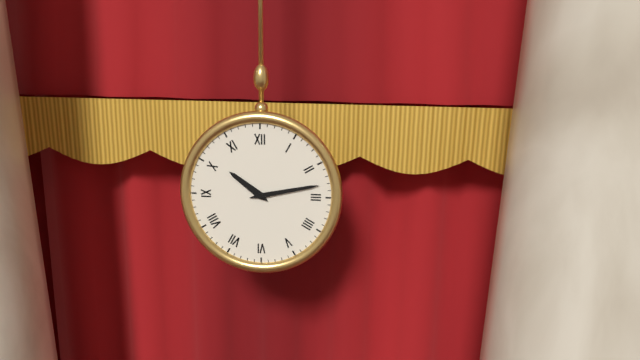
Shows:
{"hour": 10, "minute": 13}
